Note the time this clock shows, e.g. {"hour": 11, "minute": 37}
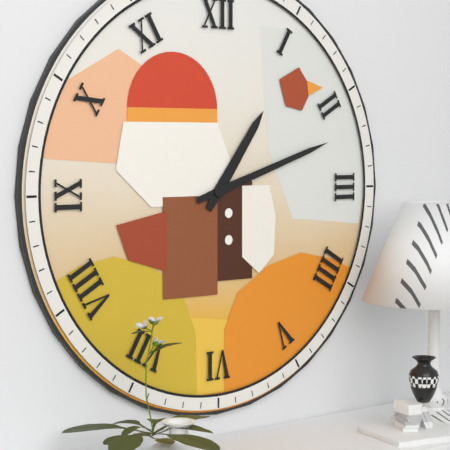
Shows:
{"hour": 1, "minute": 12}
